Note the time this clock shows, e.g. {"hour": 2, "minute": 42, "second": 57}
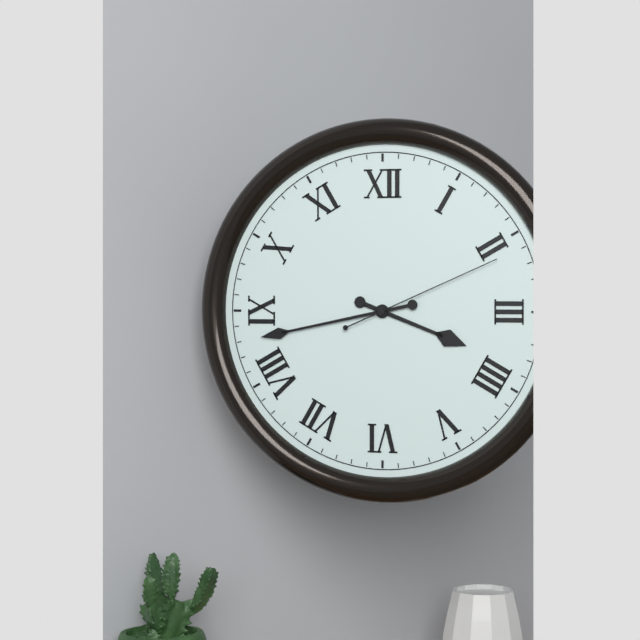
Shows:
{"hour": 3, "minute": 43, "second": 11}
